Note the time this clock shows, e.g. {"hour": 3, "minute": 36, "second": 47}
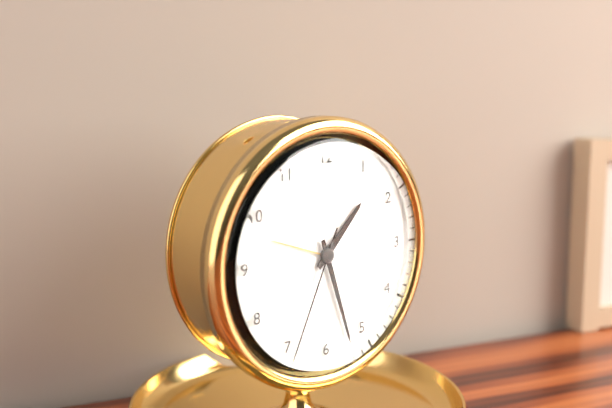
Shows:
{"hour": 1, "minute": 27, "second": 34}
